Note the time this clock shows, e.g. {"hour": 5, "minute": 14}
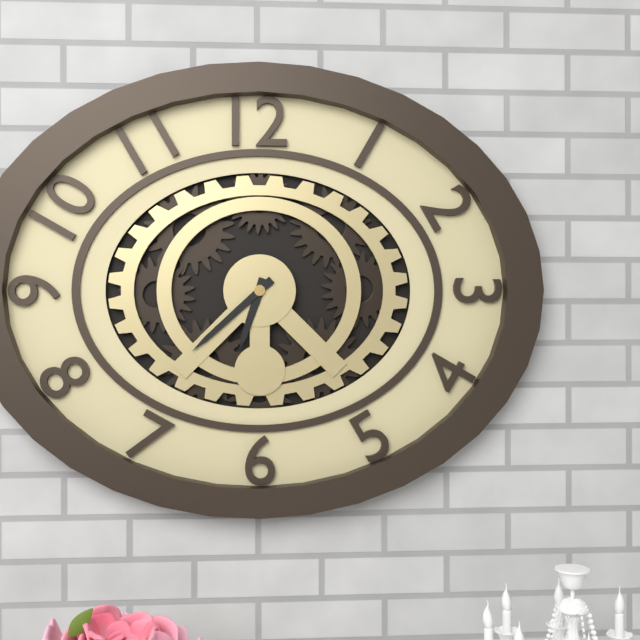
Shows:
{"hour": 6, "minute": 38}
